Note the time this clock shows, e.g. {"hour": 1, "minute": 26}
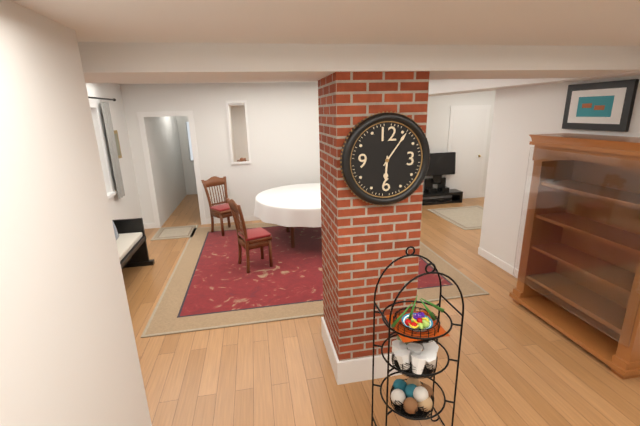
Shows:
{"hour": 6, "minute": 6}
